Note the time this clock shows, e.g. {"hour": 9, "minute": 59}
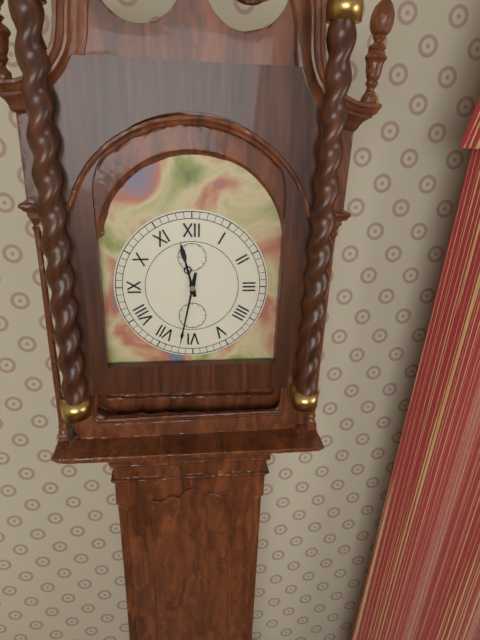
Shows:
{"hour": 11, "minute": 32}
